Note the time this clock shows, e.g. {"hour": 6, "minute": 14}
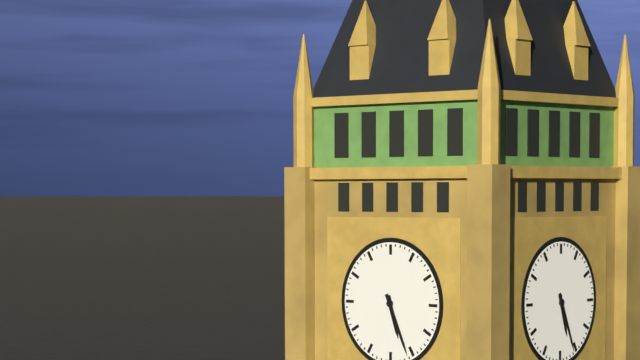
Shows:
{"hour": 5, "minute": 26}
